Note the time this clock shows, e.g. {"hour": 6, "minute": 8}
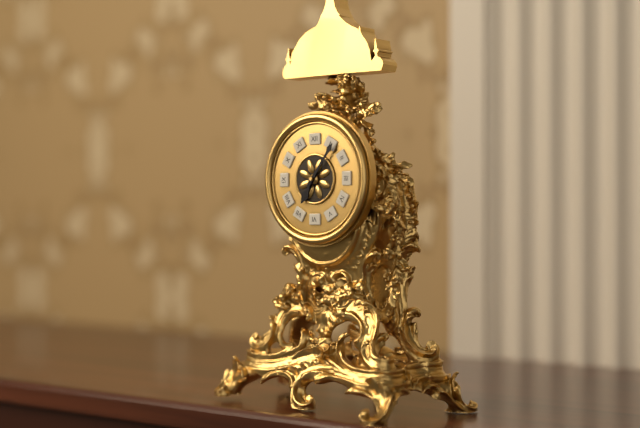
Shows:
{"hour": 7, "minute": 6}
